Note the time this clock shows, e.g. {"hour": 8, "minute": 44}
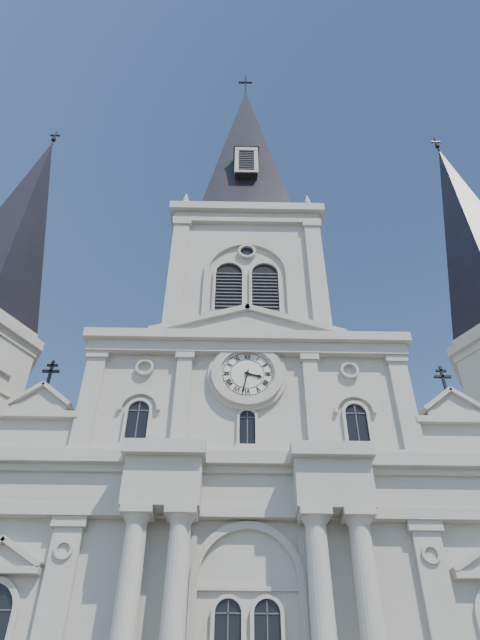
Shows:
{"hour": 3, "minute": 32}
